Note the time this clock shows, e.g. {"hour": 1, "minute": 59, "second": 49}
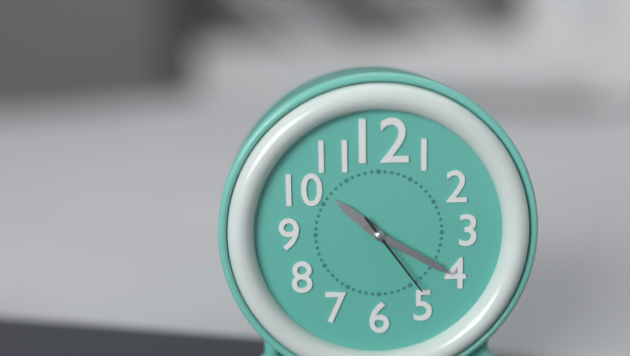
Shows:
{"hour": 10, "minute": 20, "second": 24}
